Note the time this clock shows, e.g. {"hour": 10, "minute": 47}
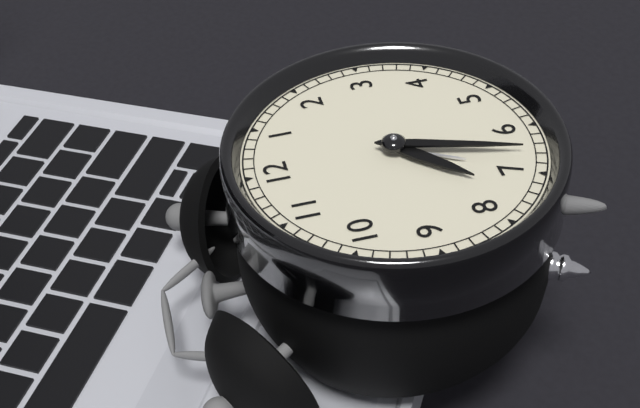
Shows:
{"hour": 7, "minute": 33}
